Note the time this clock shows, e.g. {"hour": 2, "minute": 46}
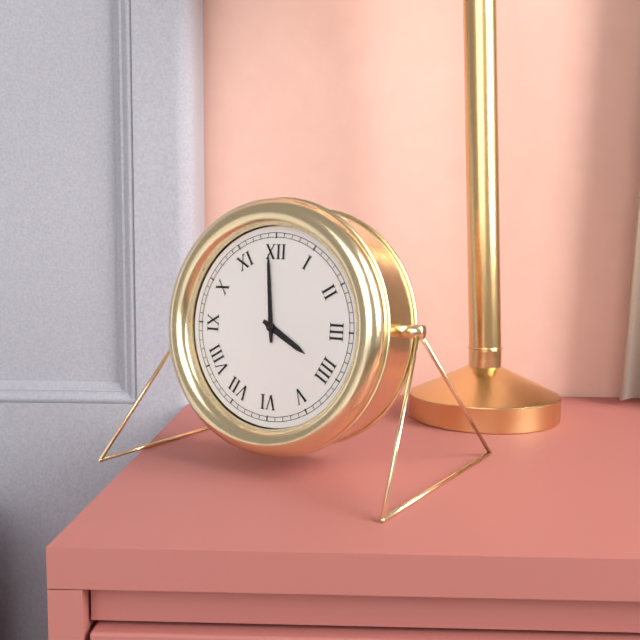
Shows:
{"hour": 3, "minute": 59}
